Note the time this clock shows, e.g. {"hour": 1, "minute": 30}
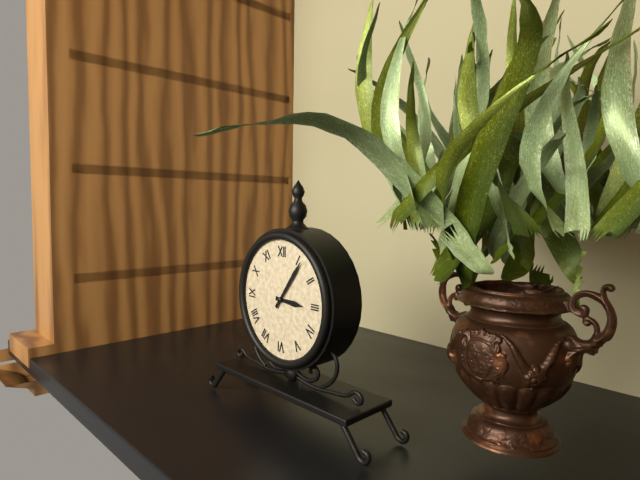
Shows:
{"hour": 3, "minute": 6}
